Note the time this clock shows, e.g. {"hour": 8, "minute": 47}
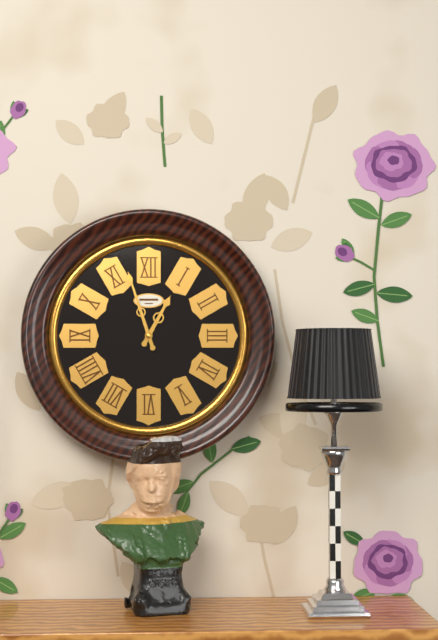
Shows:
{"hour": 12, "minute": 57}
